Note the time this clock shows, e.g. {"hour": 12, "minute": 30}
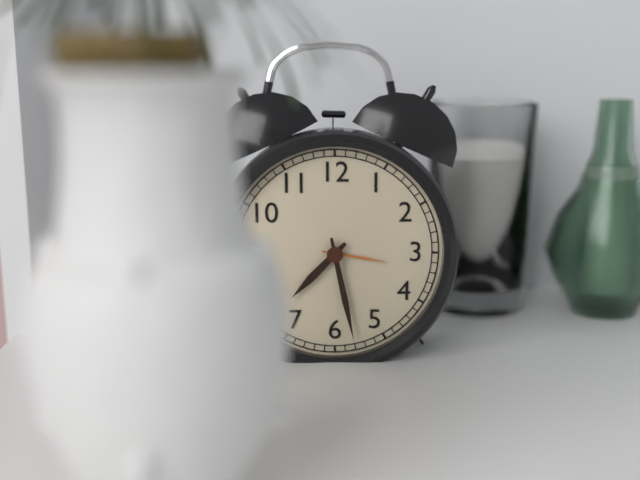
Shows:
{"hour": 7, "minute": 28}
